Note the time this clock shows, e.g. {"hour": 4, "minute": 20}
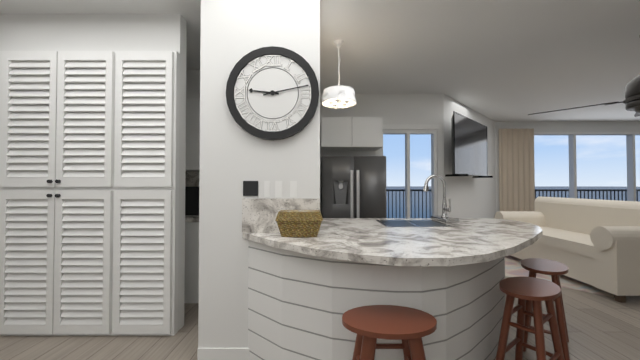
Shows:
{"hour": 9, "minute": 13}
